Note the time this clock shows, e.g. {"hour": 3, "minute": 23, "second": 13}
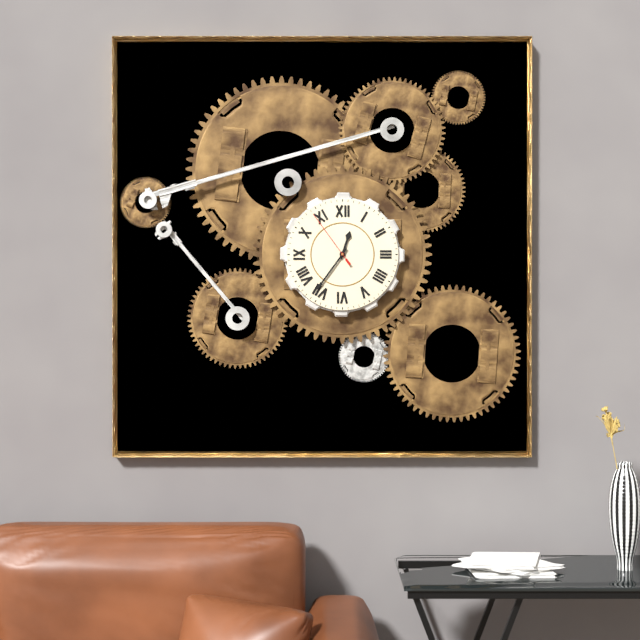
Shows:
{"hour": 12, "minute": 36, "second": 54}
